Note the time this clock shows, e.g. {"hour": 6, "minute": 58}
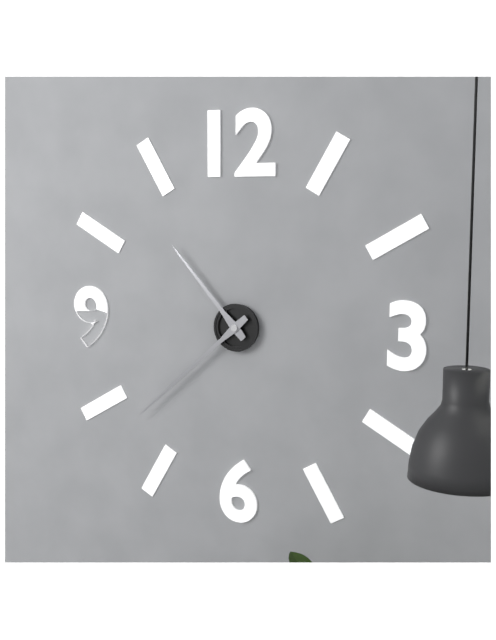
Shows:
{"hour": 10, "minute": 38}
